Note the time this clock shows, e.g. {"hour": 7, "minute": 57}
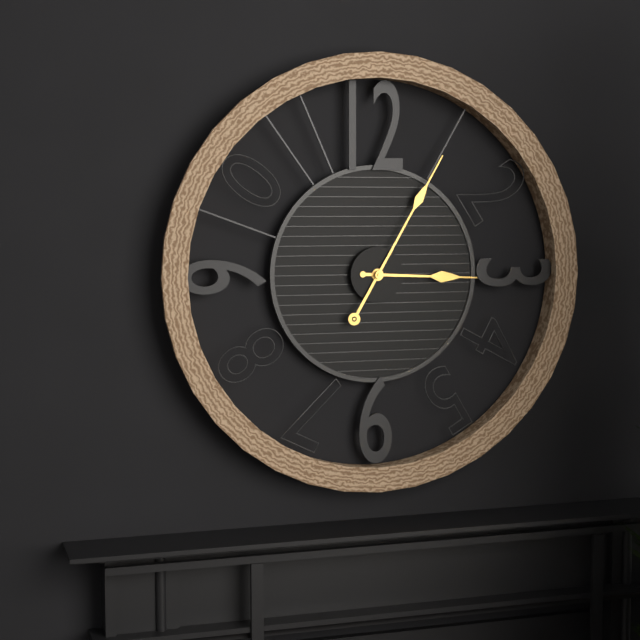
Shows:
{"hour": 3, "minute": 5}
